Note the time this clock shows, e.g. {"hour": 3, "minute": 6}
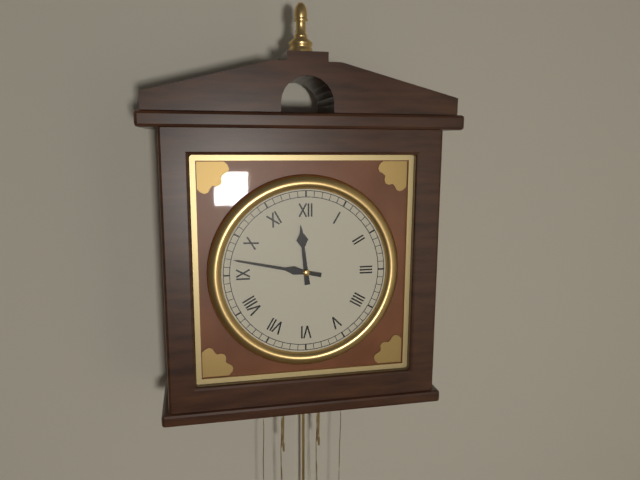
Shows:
{"hour": 11, "minute": 47}
